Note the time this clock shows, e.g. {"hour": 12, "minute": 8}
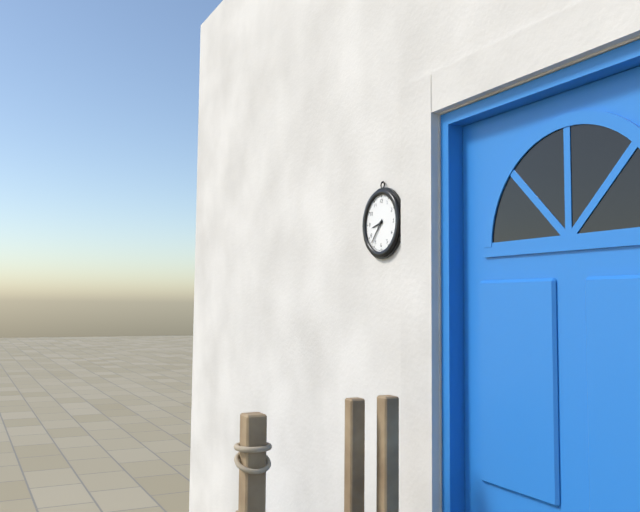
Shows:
{"hour": 8, "minute": 37}
